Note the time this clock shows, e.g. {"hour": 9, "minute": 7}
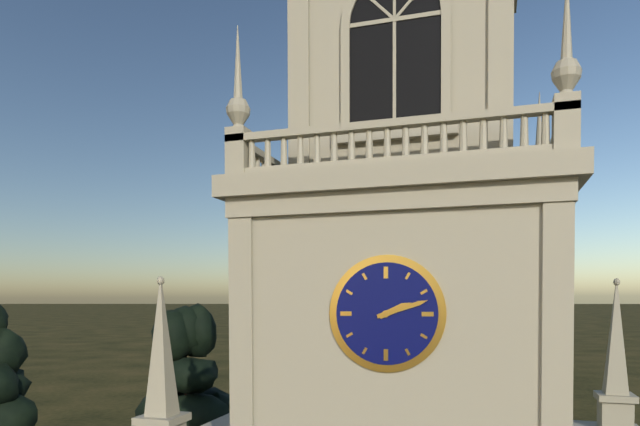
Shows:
{"hour": 2, "minute": 12}
